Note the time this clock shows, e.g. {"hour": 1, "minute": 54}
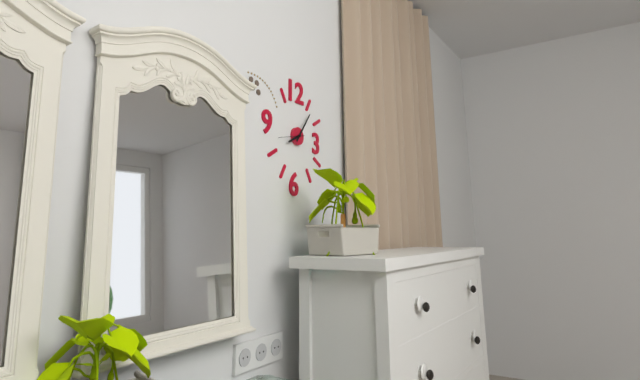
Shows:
{"hour": 8, "minute": 6}
